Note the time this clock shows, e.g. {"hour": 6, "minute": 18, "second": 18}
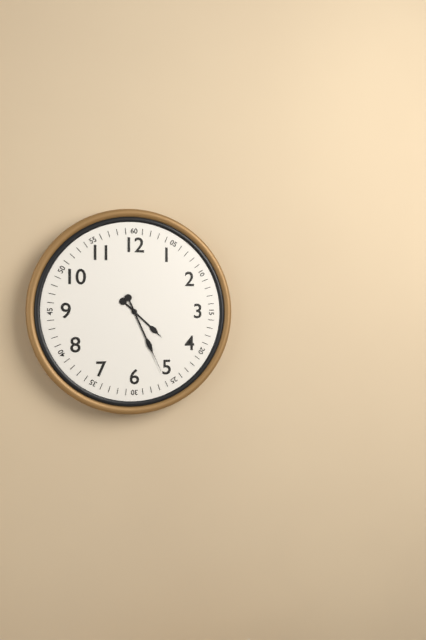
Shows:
{"hour": 4, "minute": 26, "second": 26}
